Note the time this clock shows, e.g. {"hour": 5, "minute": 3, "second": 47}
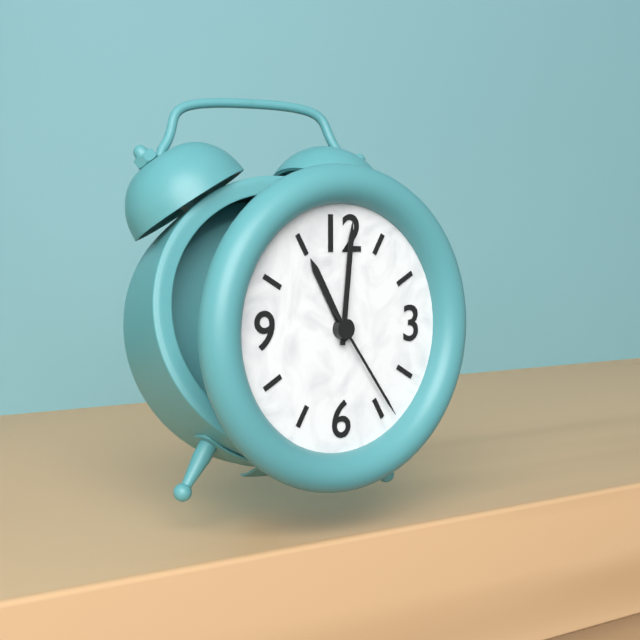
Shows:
{"hour": 11, "minute": 1, "second": 24}
